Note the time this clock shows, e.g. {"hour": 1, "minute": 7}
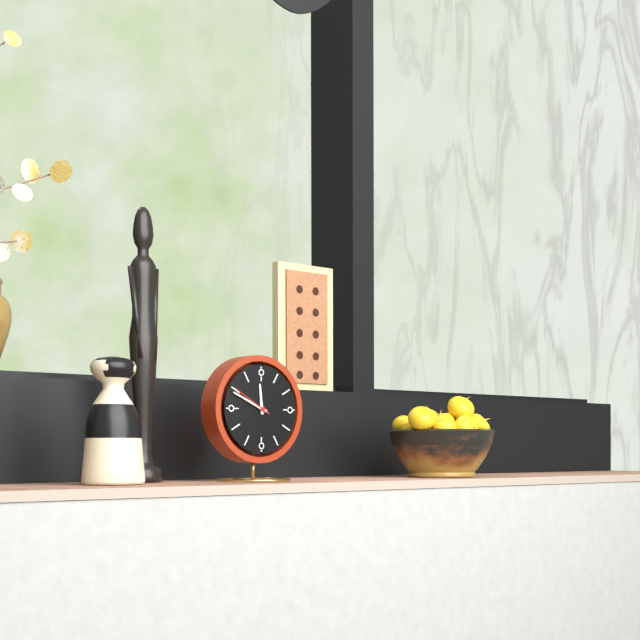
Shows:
{"hour": 11, "minute": 49}
